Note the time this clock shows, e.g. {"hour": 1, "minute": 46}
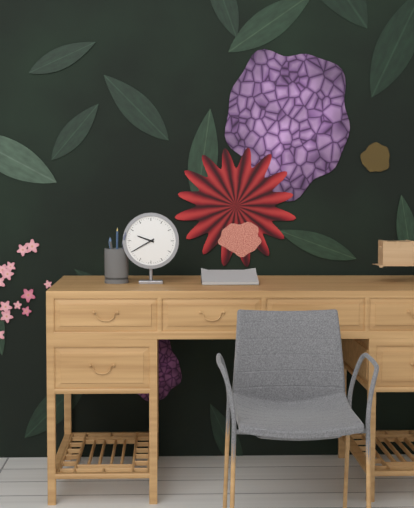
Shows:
{"hour": 9, "minute": 40}
